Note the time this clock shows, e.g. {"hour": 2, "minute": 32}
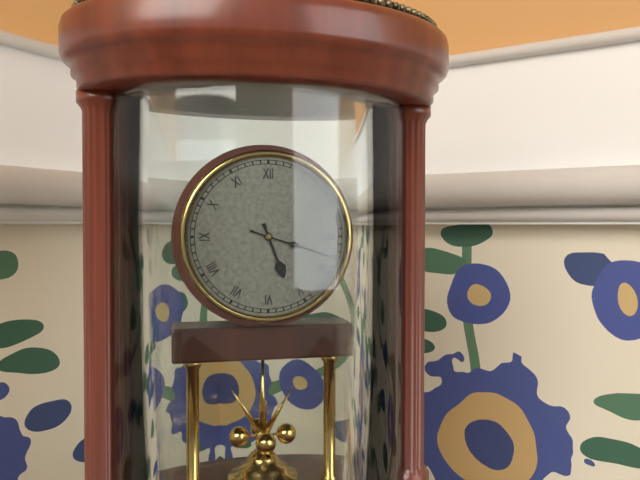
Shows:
{"hour": 5, "minute": 18}
